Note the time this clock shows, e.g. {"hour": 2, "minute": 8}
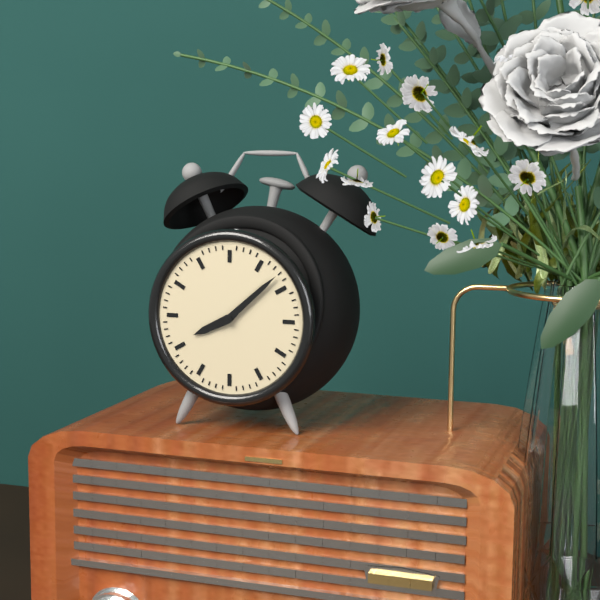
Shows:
{"hour": 8, "minute": 8}
